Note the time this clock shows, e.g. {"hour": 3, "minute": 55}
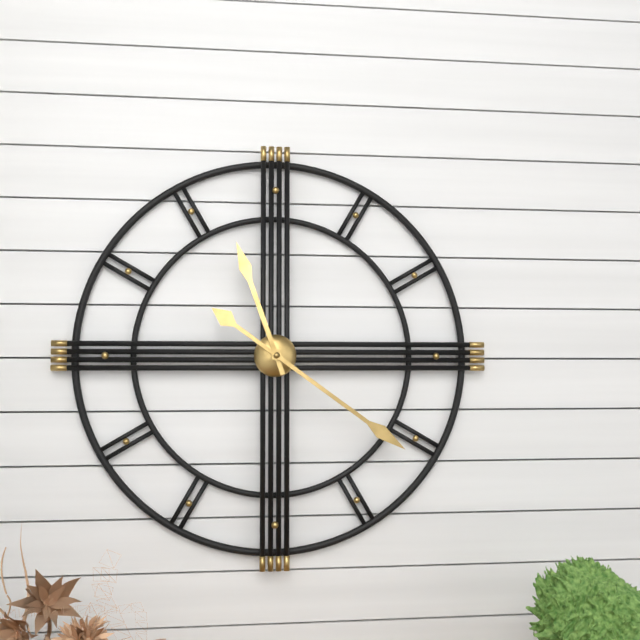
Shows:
{"hour": 11, "minute": 21}
